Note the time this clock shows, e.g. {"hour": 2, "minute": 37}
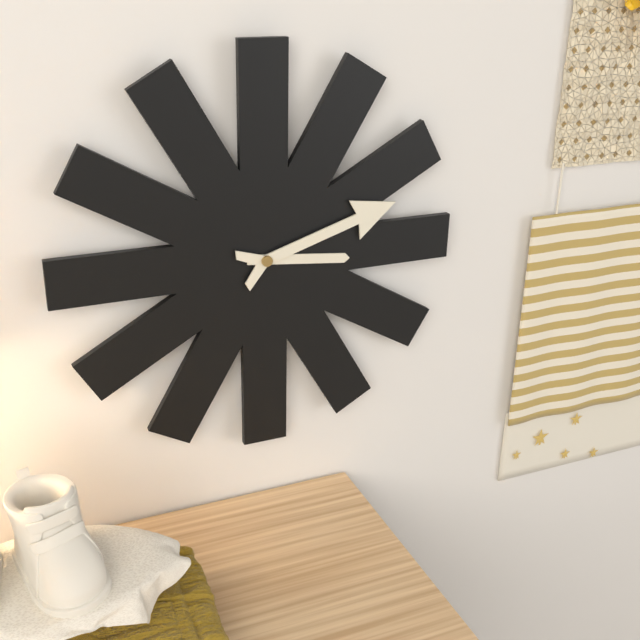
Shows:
{"hour": 3, "minute": 12}
